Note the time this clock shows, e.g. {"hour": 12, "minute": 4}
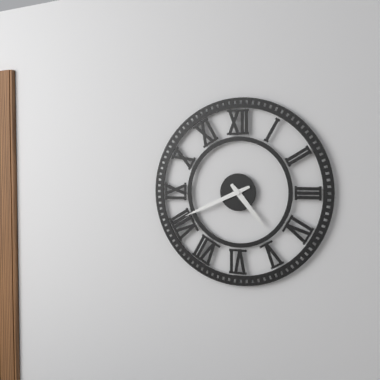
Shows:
{"hour": 4, "minute": 41}
